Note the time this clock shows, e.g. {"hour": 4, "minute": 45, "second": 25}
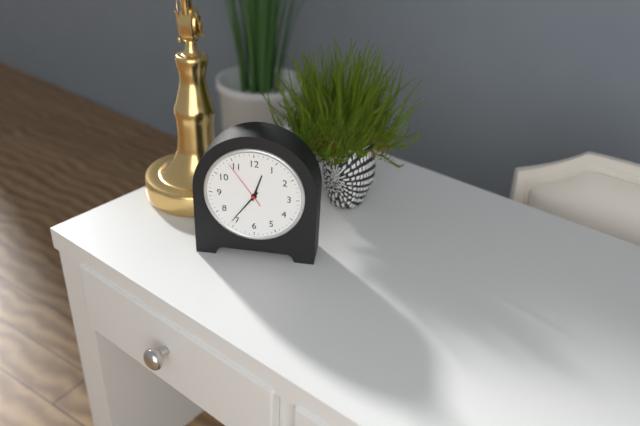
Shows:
{"hour": 12, "minute": 36, "second": 54}
